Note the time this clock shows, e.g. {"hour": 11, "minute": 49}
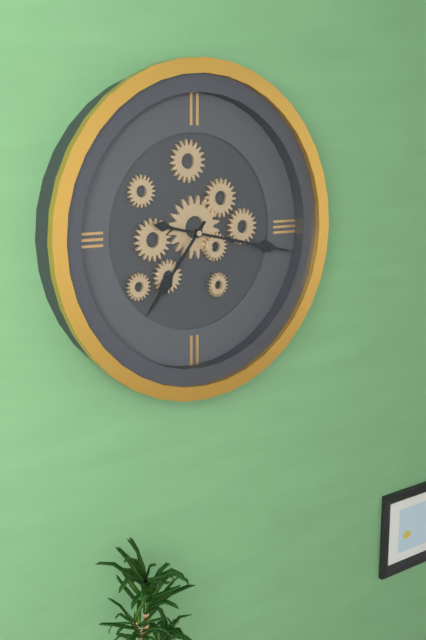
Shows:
{"hour": 7, "minute": 17}
